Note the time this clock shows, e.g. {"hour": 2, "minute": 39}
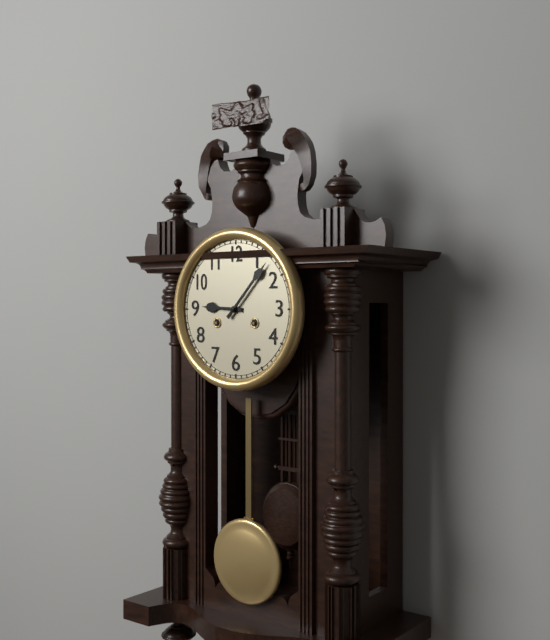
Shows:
{"hour": 9, "minute": 7}
